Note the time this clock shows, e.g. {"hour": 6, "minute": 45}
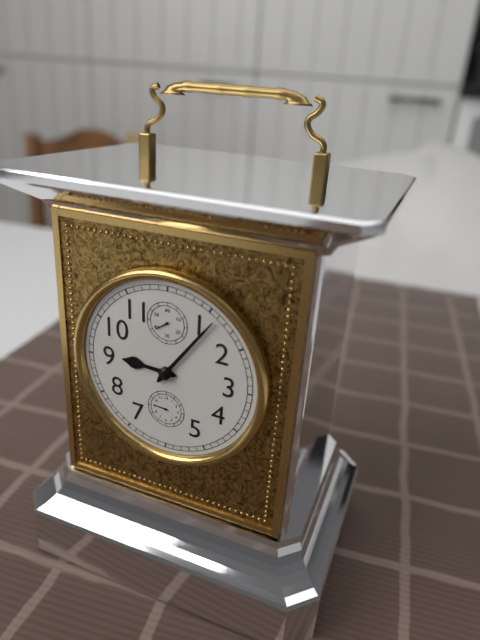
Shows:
{"hour": 9, "minute": 6}
